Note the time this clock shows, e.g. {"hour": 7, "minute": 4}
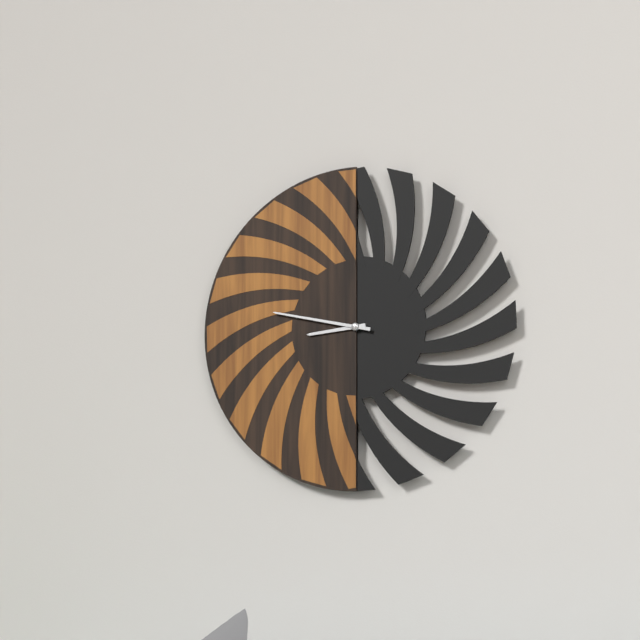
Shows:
{"hour": 8, "minute": 47}
